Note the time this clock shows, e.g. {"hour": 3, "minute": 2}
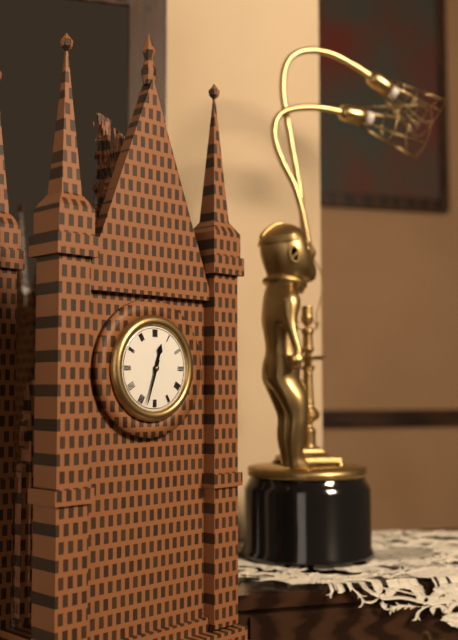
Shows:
{"hour": 12, "minute": 33}
